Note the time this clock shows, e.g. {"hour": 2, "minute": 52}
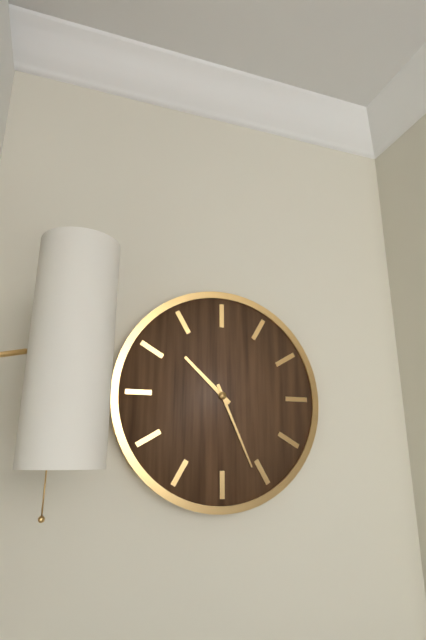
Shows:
{"hour": 10, "minute": 26}
